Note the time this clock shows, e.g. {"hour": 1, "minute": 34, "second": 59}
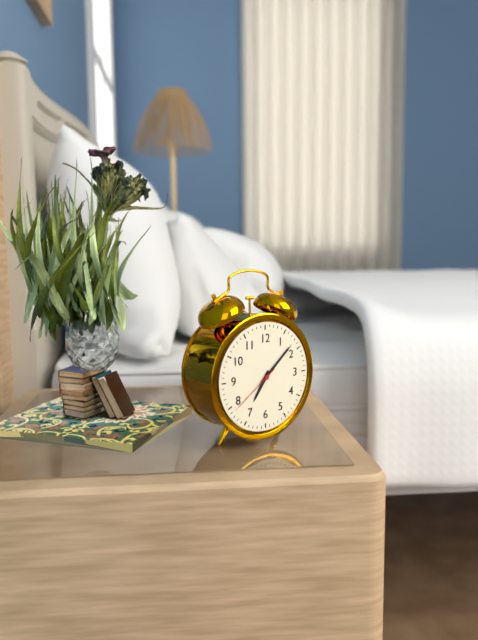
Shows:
{"hour": 7, "minute": 8, "second": 39}
